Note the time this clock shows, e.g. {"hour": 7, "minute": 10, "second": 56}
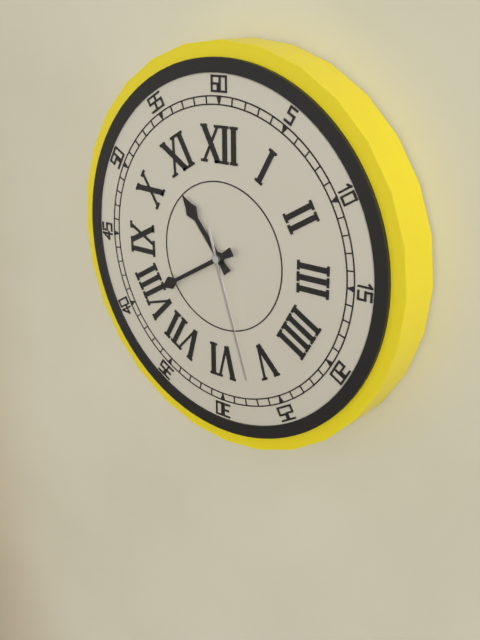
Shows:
{"hour": 10, "minute": 40, "second": 27}
